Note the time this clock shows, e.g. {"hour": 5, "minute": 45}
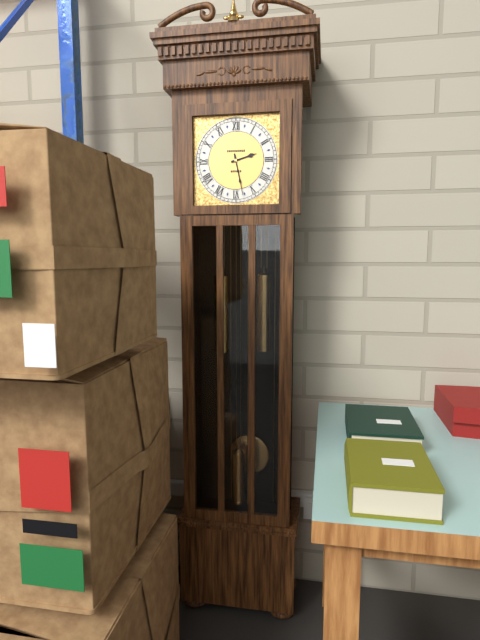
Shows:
{"hour": 2, "minute": 28}
